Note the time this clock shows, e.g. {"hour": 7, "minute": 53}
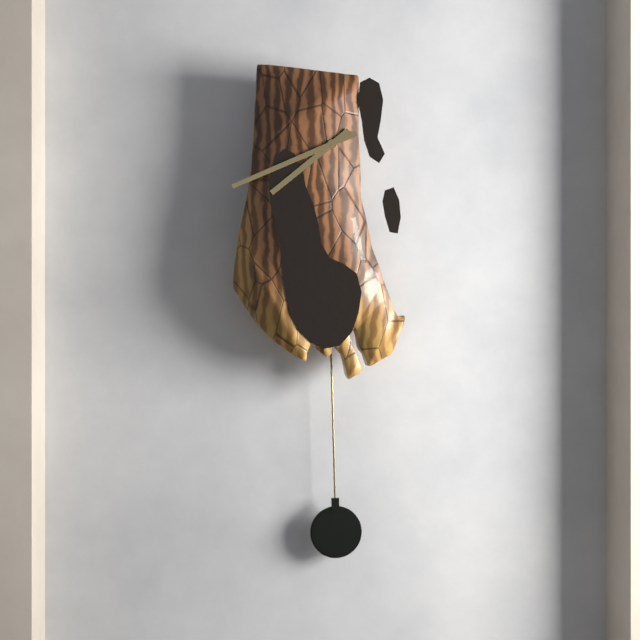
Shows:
{"hour": 7, "minute": 41}
